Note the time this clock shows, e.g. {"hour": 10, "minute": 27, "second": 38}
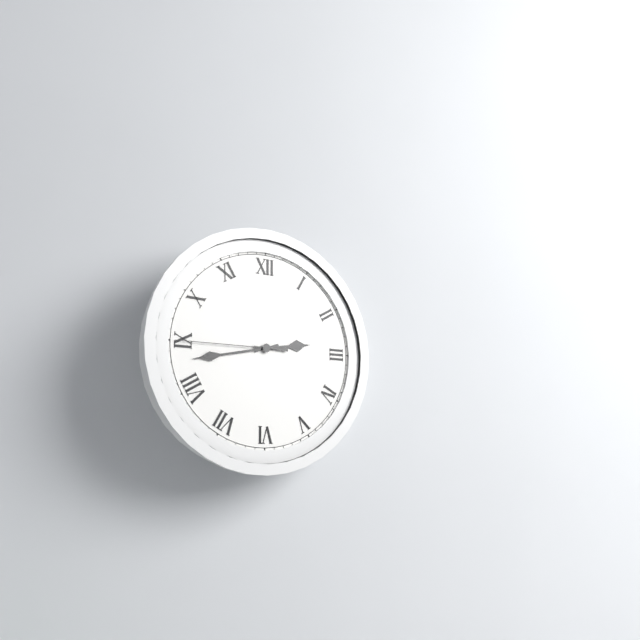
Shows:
{"hour": 2, "minute": 43, "second": 45}
